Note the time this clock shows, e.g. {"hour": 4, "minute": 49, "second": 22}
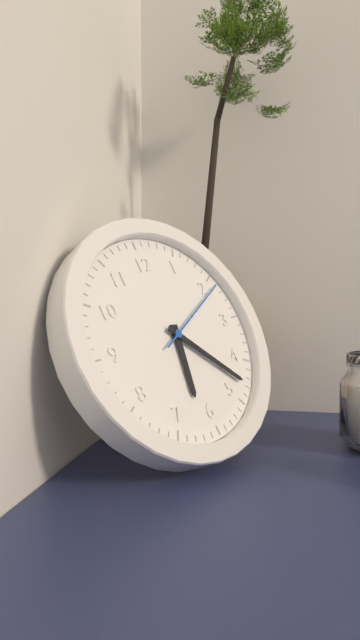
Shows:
{"hour": 6, "minute": 23, "second": 11}
